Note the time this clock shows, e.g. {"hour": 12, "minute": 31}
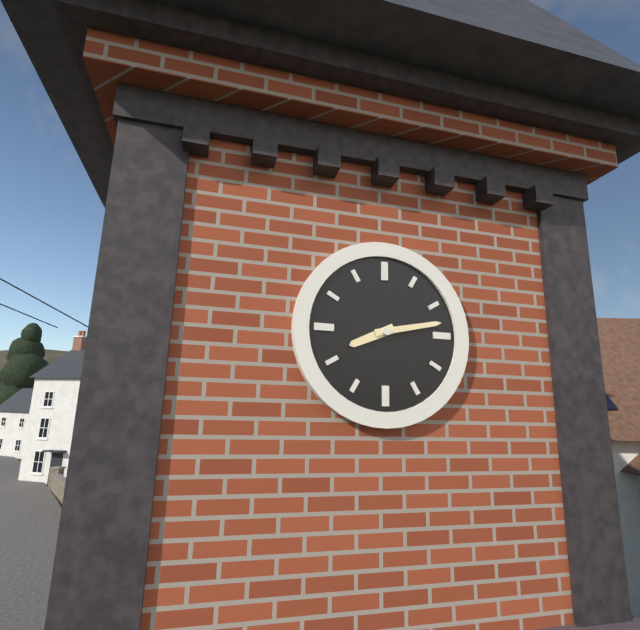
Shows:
{"hour": 8, "minute": 13}
